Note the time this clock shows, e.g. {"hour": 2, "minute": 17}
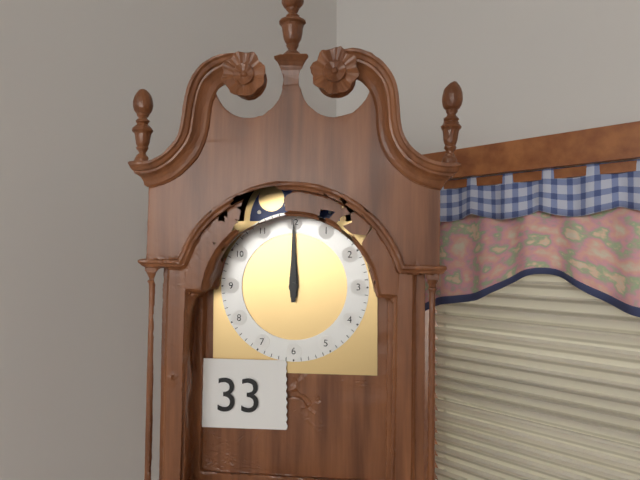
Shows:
{"hour": 12, "minute": 0}
